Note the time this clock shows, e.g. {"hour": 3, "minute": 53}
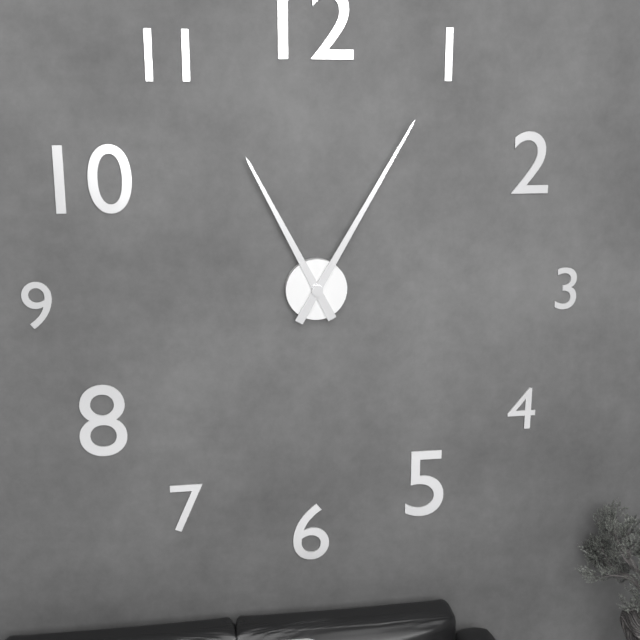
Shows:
{"hour": 11, "minute": 5}
